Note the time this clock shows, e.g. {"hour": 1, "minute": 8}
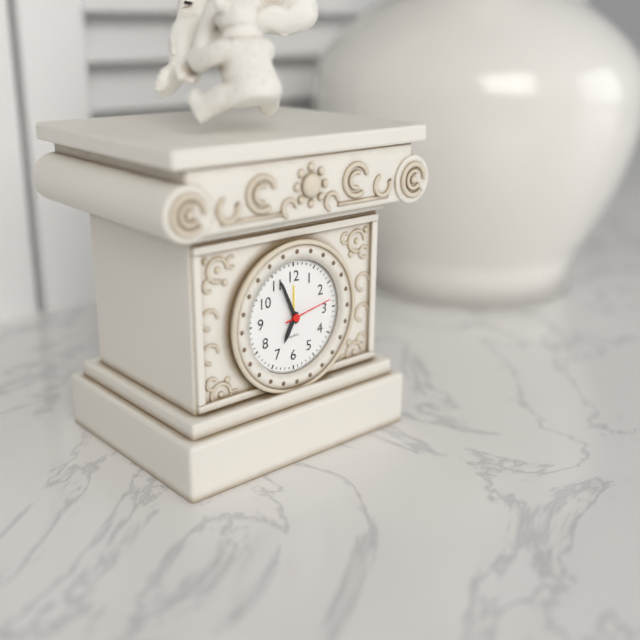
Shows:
{"hour": 6, "minute": 56}
